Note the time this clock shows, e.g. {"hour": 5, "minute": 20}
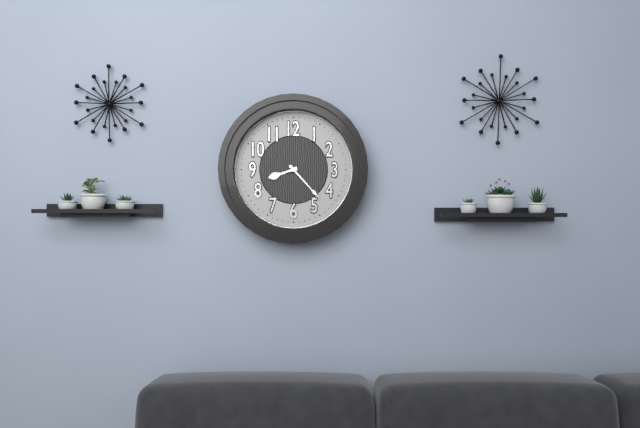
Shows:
{"hour": 8, "minute": 23}
